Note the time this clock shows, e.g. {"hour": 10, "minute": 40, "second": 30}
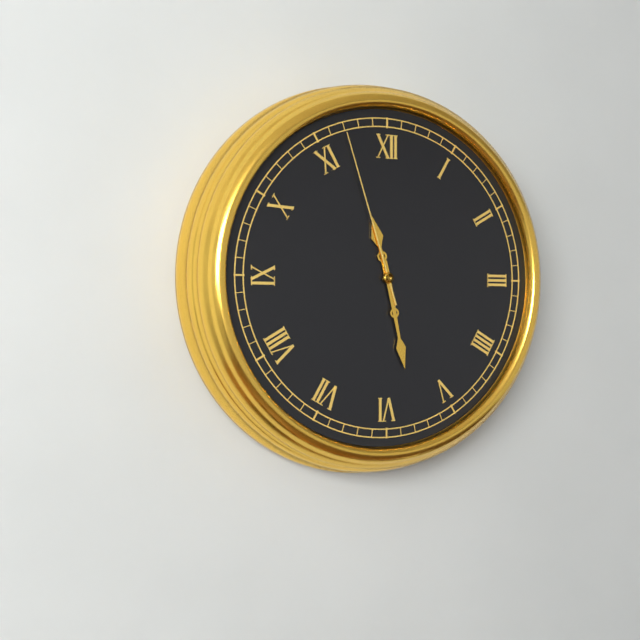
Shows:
{"hour": 11, "minute": 28, "second": 57}
